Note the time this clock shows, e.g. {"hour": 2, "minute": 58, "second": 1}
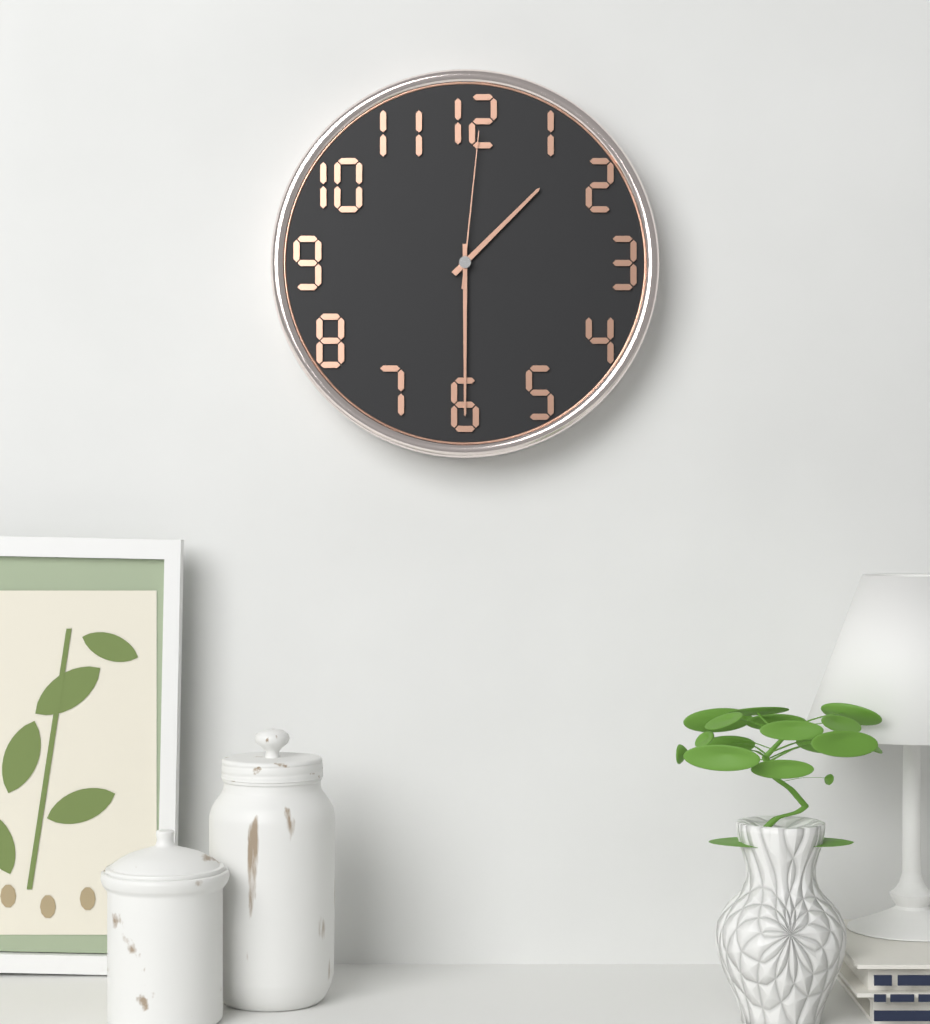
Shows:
{"hour": 1, "minute": 30, "second": 1}
